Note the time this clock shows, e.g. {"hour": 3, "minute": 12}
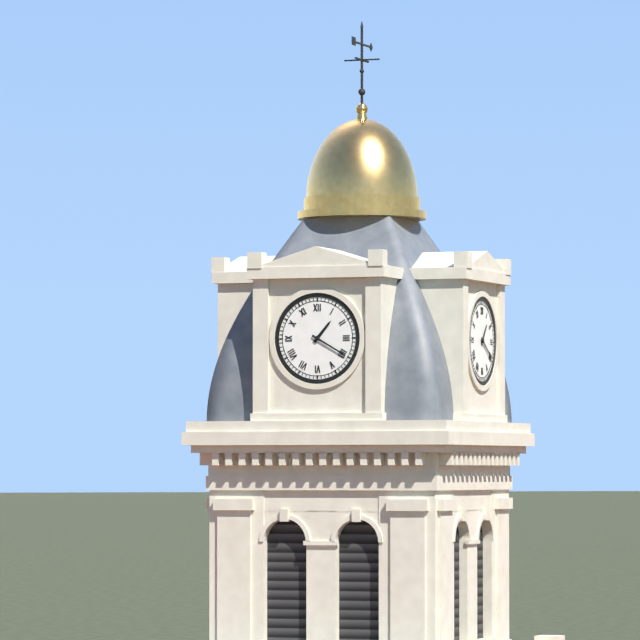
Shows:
{"hour": 1, "minute": 20}
